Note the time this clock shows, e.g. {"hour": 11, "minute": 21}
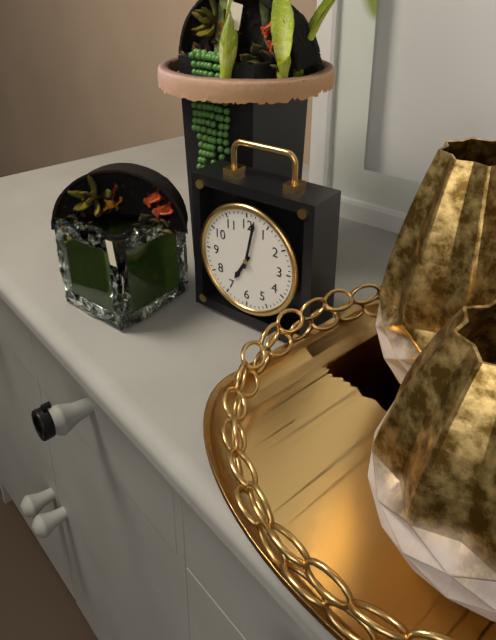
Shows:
{"hour": 7, "minute": 2}
